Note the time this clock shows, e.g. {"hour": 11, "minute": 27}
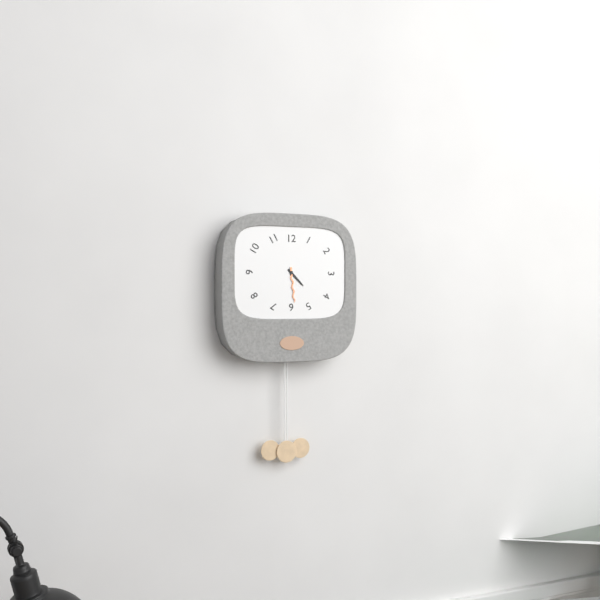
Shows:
{"hour": 4, "minute": 29}
